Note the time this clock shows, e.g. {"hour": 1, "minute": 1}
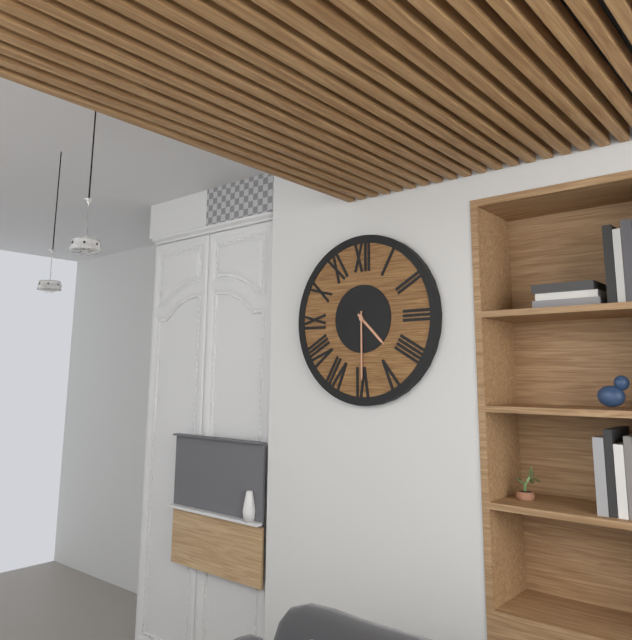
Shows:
{"hour": 4, "minute": 30}
